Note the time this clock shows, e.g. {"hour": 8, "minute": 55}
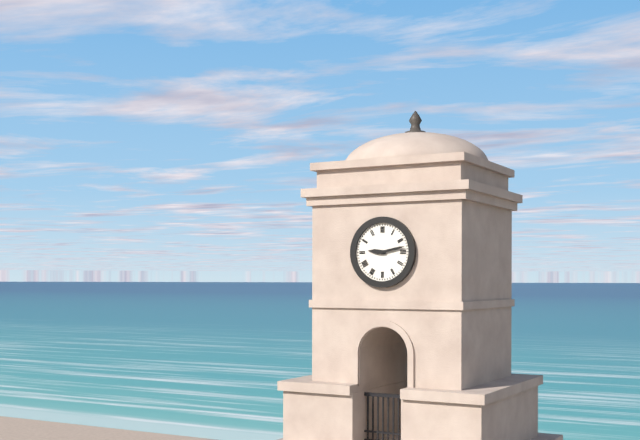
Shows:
{"hour": 9, "minute": 13}
